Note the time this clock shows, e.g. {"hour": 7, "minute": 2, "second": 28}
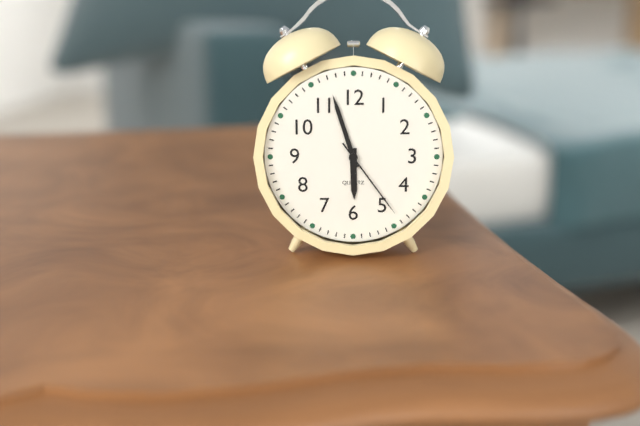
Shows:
{"hour": 5, "minute": 57, "second": 24}
